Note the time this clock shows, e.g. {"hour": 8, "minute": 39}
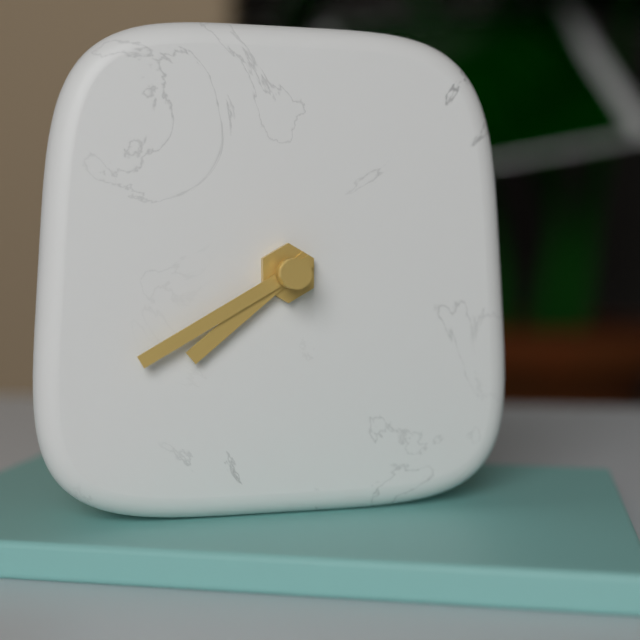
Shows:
{"hour": 7, "minute": 40}
